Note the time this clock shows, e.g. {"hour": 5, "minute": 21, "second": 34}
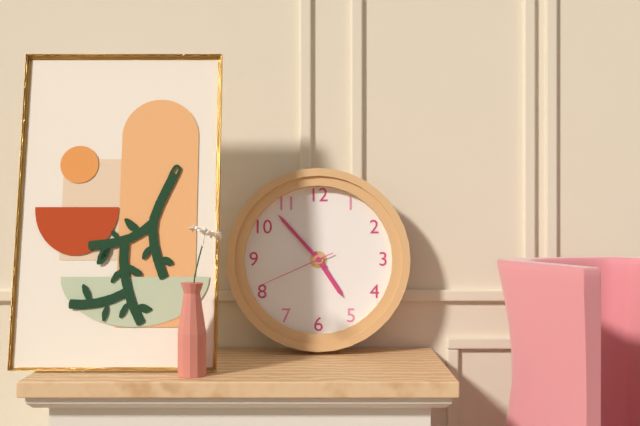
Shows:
{"hour": 4, "minute": 53, "second": 41}
